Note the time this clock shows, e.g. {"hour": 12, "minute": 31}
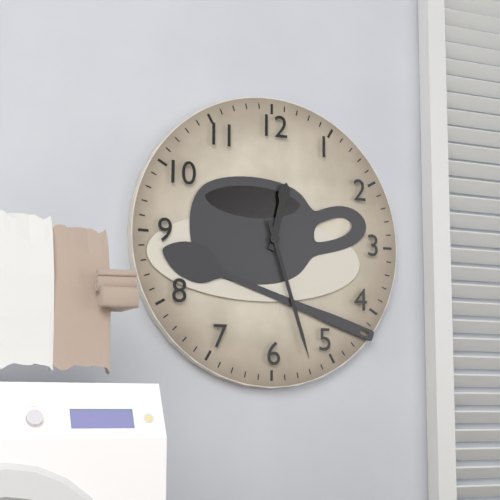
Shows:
{"hour": 12, "minute": 27}
